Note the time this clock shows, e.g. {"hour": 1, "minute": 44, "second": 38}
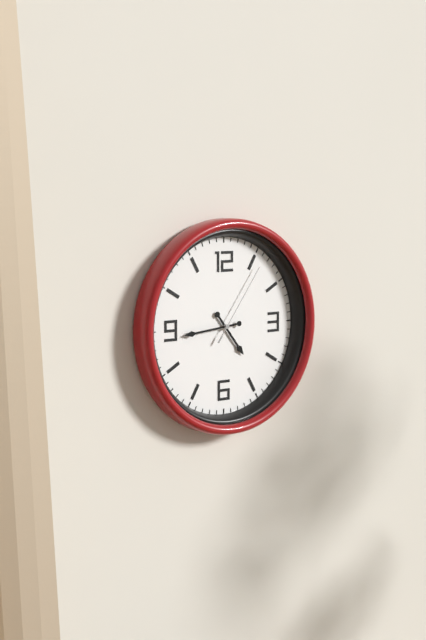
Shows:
{"hour": 4, "minute": 44, "second": 6}
